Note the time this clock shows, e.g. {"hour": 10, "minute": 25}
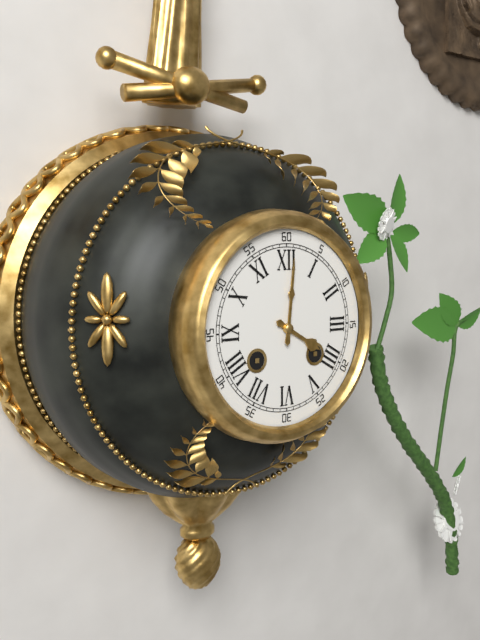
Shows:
{"hour": 4, "minute": 1}
